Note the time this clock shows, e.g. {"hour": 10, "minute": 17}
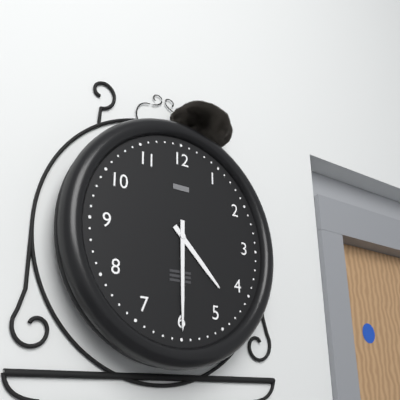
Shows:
{"hour": 4, "minute": 30}
